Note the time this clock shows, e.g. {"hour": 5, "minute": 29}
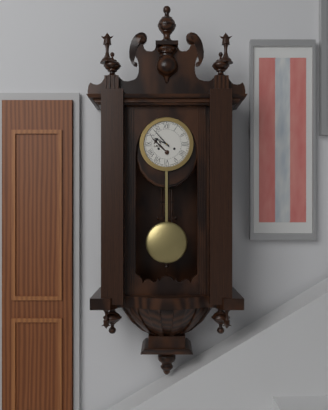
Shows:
{"hour": 9, "minute": 53}
